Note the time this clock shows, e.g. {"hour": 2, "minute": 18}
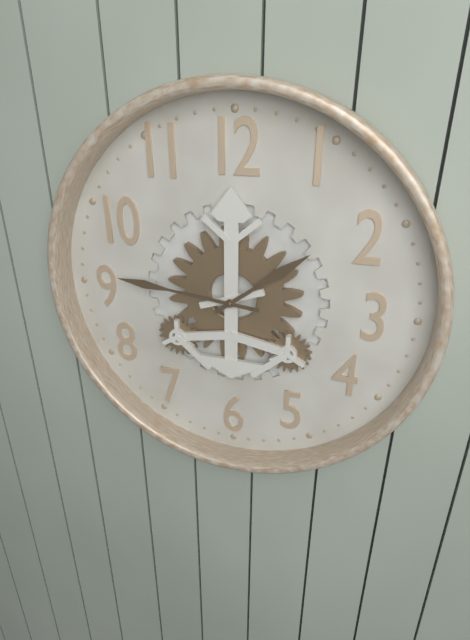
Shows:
{"hour": 1, "minute": 46}
